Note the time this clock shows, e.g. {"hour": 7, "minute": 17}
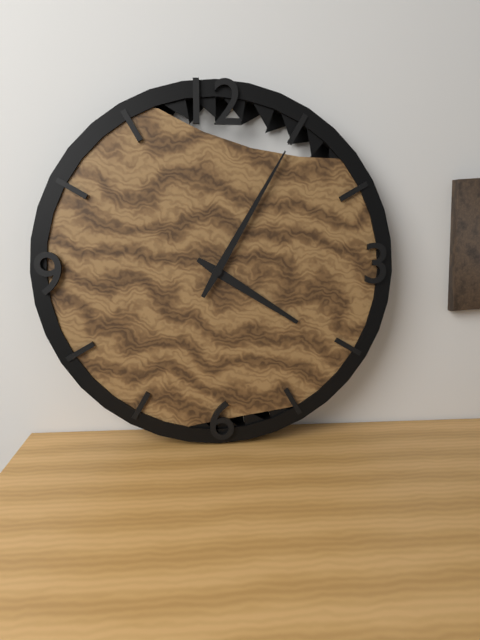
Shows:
{"hour": 4, "minute": 5}
